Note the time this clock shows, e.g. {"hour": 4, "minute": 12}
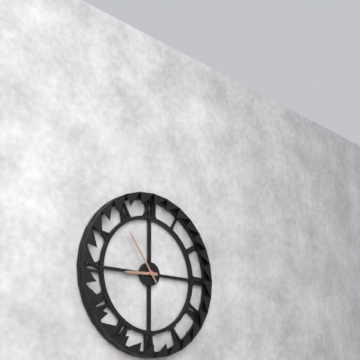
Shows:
{"hour": 8, "minute": 54}
